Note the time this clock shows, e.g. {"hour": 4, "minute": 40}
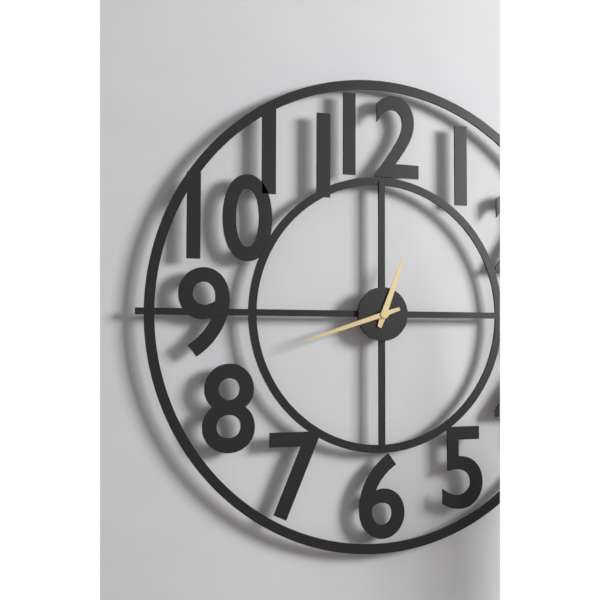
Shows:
{"hour": 12, "minute": 42}
